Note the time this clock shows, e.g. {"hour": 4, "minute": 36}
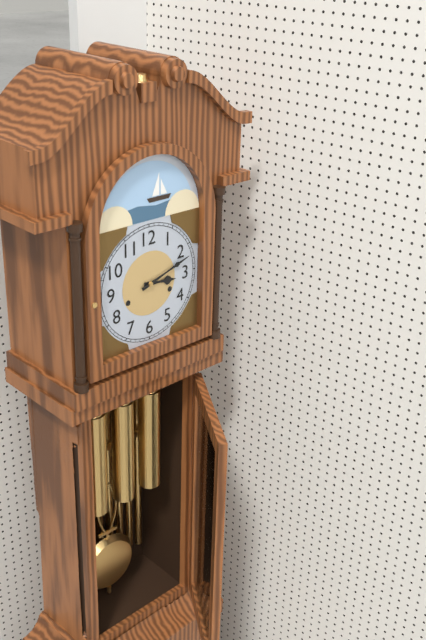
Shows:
{"hour": 3, "minute": 12}
